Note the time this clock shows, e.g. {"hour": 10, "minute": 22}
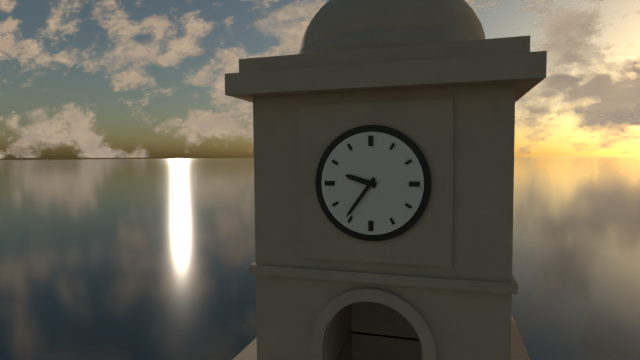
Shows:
{"hour": 9, "minute": 36}
